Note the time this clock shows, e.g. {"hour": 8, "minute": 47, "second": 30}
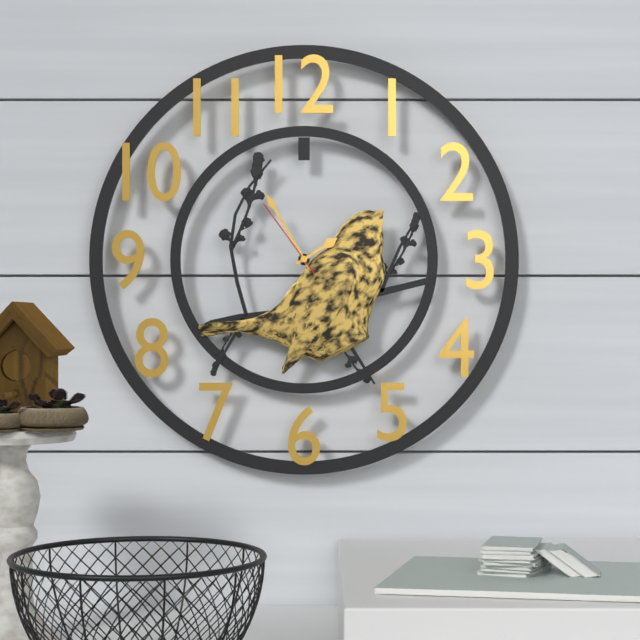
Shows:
{"hour": 1, "minute": 55, "second": 54}
